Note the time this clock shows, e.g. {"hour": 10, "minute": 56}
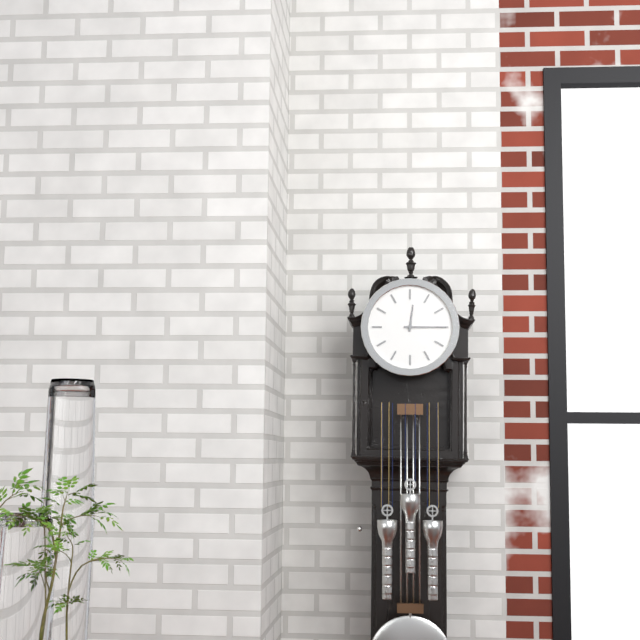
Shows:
{"hour": 12, "minute": 15}
